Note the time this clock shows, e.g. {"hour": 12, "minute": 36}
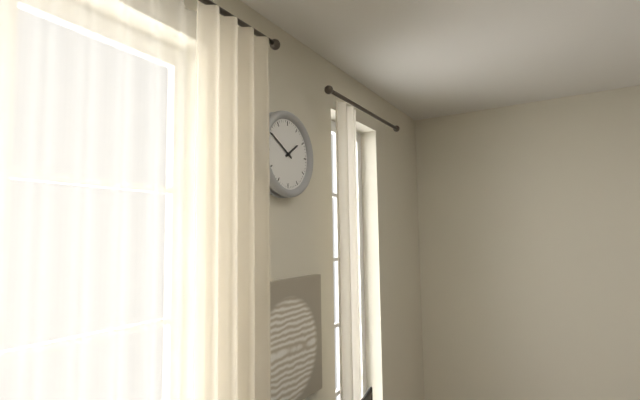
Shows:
{"hour": 1, "minute": 50}
